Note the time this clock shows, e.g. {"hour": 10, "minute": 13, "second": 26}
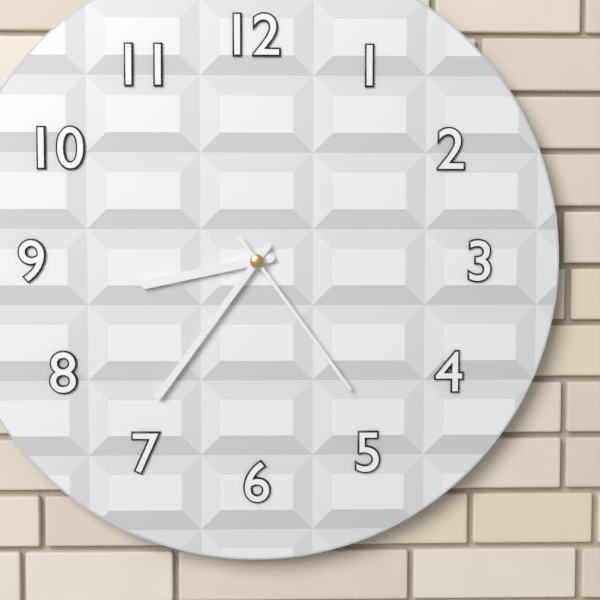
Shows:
{"hour": 8, "minute": 36, "second": 24}
